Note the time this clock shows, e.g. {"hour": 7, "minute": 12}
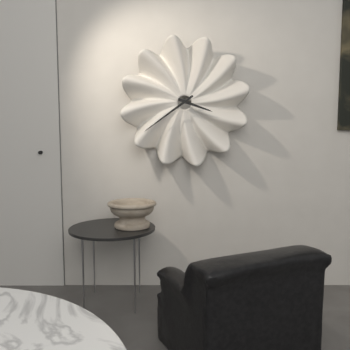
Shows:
{"hour": 3, "minute": 39}
